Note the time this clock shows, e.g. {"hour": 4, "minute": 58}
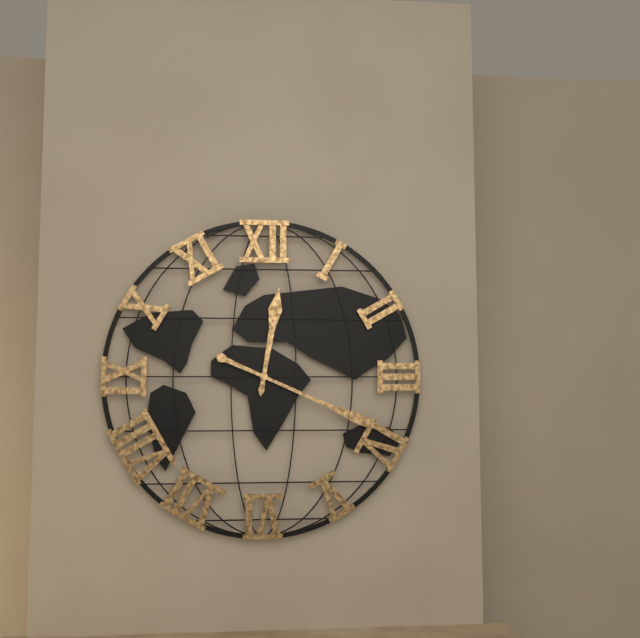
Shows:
{"hour": 12, "minute": 19}
